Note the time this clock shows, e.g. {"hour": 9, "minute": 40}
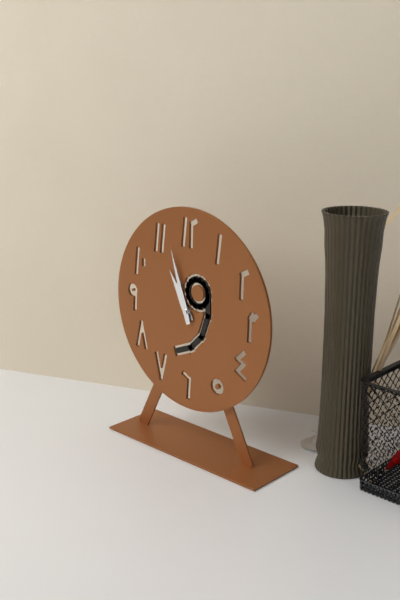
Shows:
{"hour": 10, "minute": 57}
